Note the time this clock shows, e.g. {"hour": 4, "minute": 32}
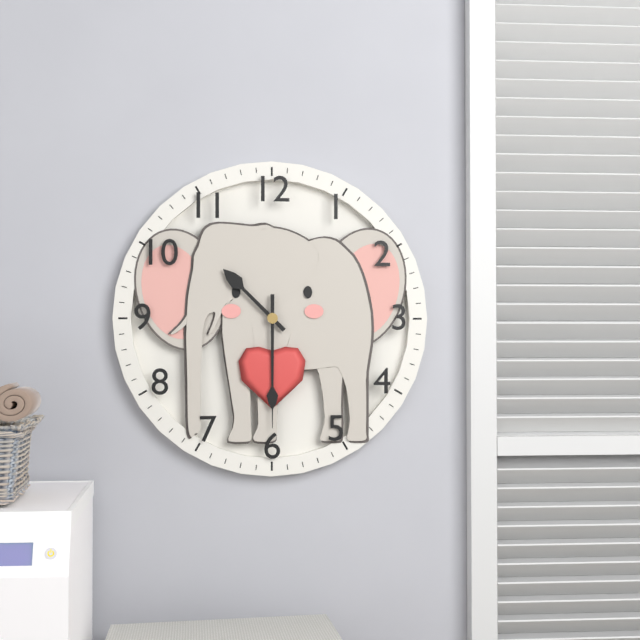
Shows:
{"hour": 10, "minute": 30}
